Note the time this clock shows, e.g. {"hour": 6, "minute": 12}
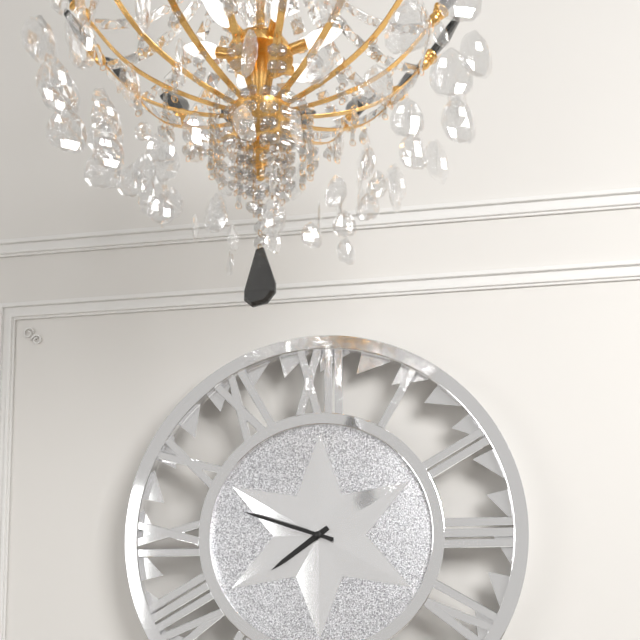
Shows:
{"hour": 7, "minute": 48}
